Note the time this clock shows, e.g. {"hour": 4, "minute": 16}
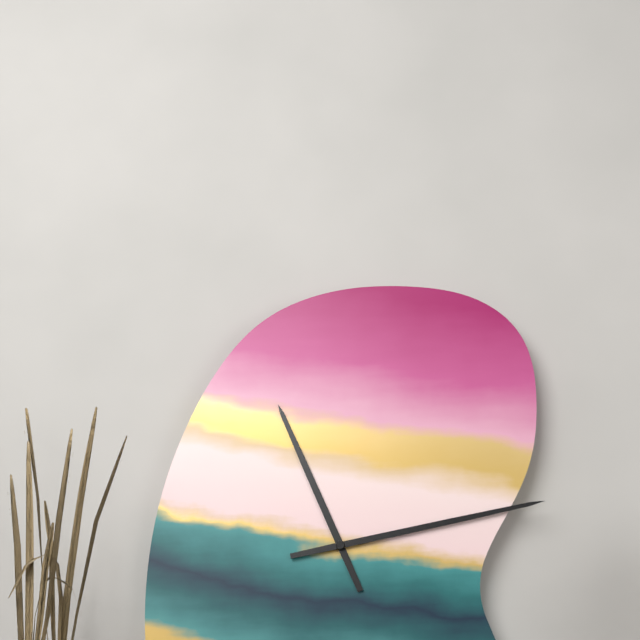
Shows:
{"hour": 11, "minute": 13}
